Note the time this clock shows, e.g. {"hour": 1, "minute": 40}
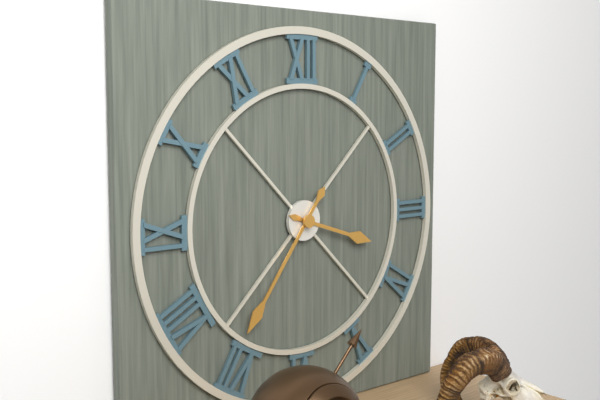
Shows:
{"hour": 3, "minute": 36}
